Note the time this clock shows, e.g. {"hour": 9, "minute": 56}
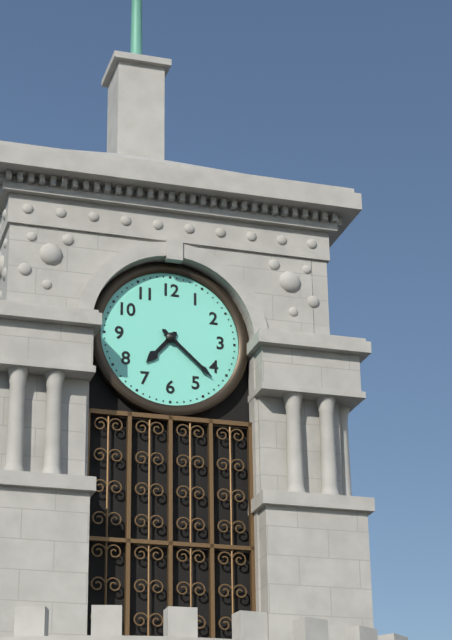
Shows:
{"hour": 7, "minute": 22}
